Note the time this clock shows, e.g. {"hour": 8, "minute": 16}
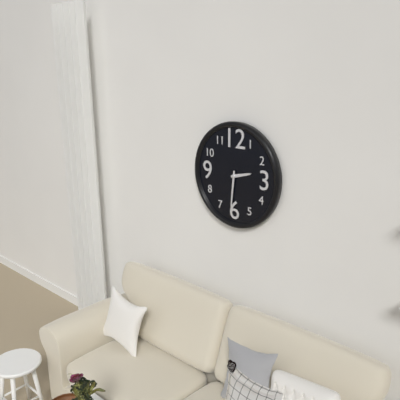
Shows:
{"hour": 2, "minute": 31}
